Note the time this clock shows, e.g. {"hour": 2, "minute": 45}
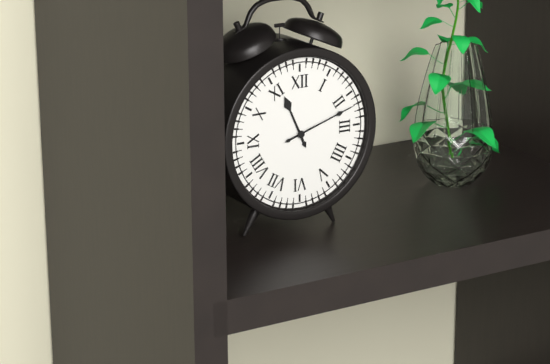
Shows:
{"hour": 11, "minute": 12}
